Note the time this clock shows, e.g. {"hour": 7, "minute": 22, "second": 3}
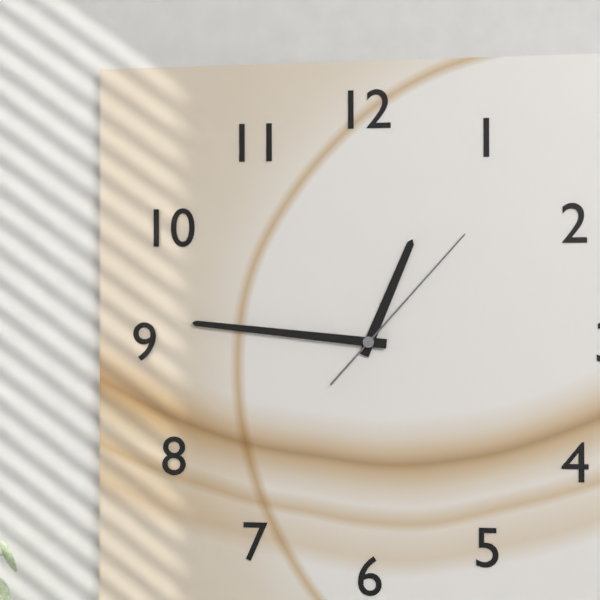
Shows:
{"hour": 12, "minute": 46, "second": 7}
